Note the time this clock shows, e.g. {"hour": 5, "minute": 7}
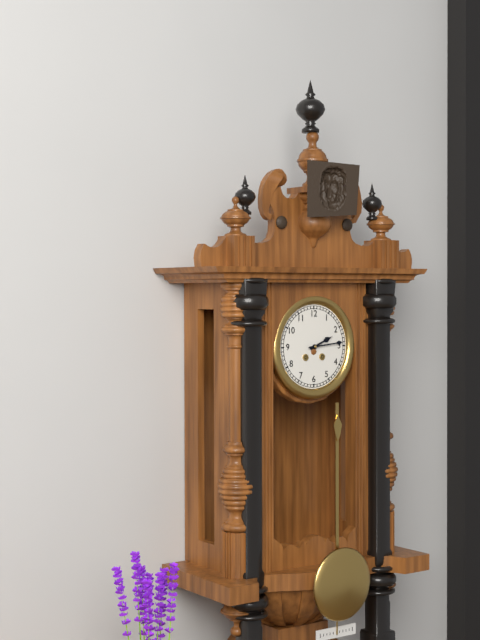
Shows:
{"hour": 2, "minute": 14}
